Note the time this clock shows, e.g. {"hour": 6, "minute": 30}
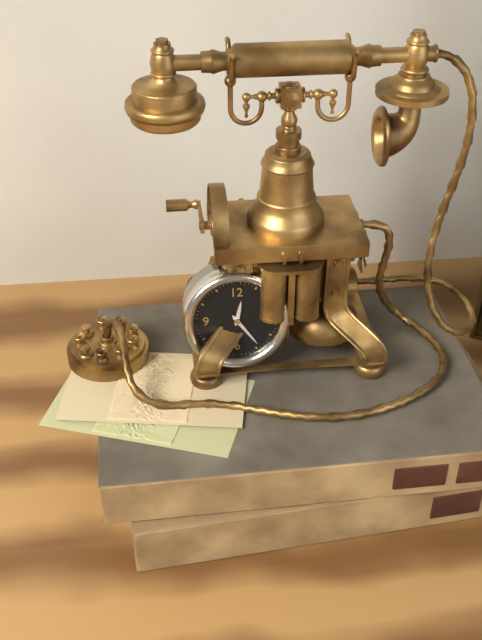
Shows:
{"hour": 12, "minute": 24}
